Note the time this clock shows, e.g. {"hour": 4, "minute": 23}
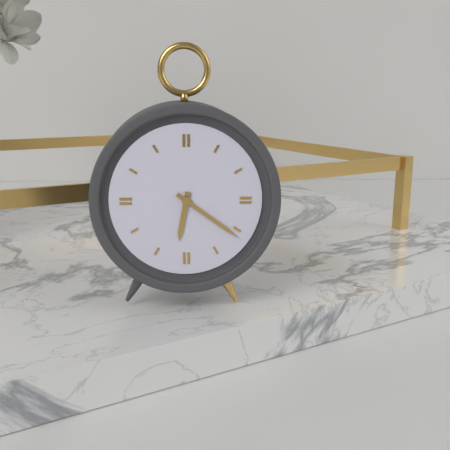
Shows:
{"hour": 6, "minute": 21}
